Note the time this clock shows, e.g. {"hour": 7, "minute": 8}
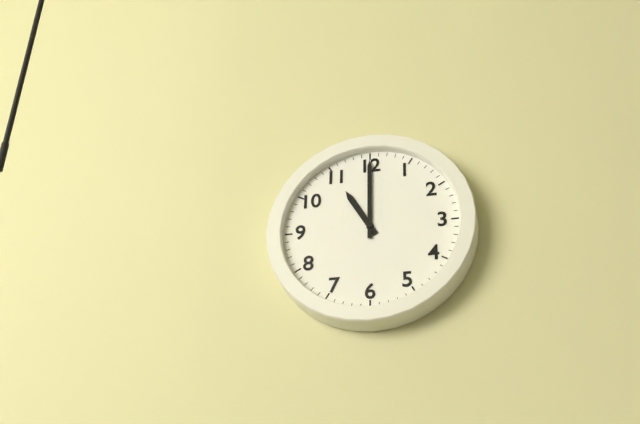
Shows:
{"hour": 11, "minute": 0}
